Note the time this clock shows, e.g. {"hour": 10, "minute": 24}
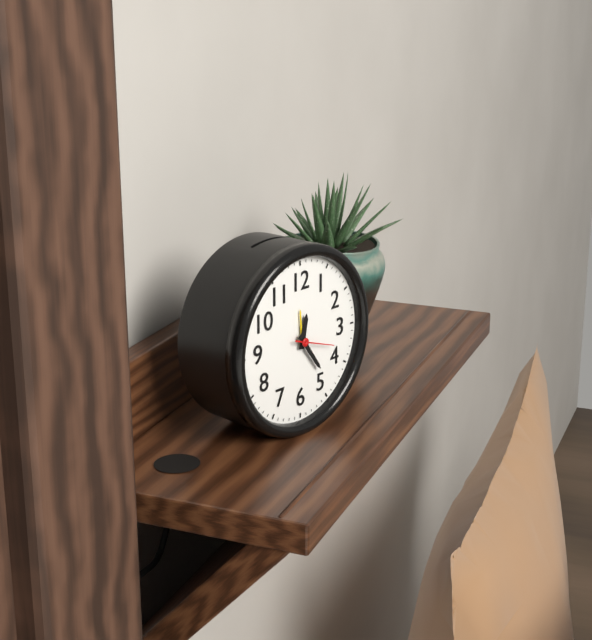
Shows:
{"hour": 12, "minute": 24}
